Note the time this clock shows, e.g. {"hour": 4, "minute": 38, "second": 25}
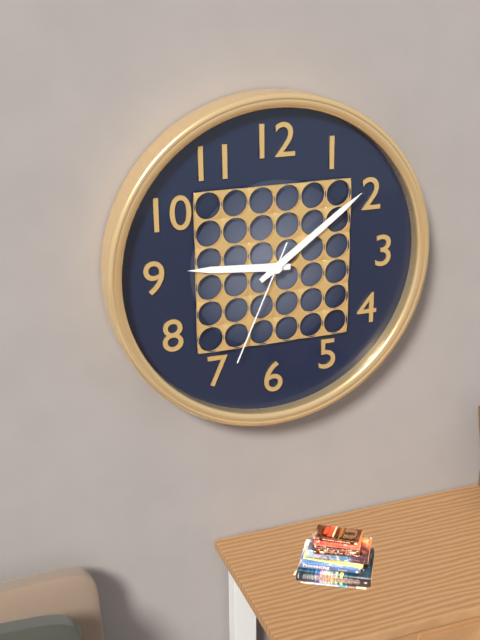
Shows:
{"hour": 9, "minute": 9, "second": 34}
